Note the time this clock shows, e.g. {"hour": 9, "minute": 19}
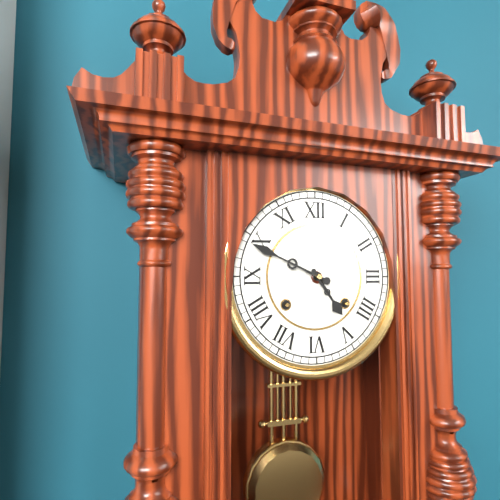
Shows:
{"hour": 4, "minute": 49}
